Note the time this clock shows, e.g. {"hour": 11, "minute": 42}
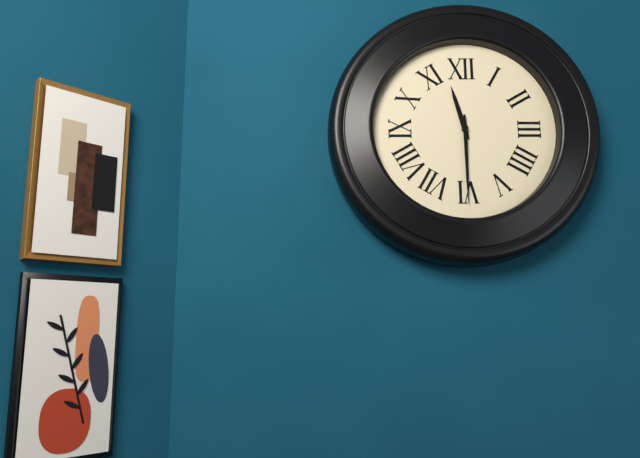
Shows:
{"hour": 11, "minute": 30}
